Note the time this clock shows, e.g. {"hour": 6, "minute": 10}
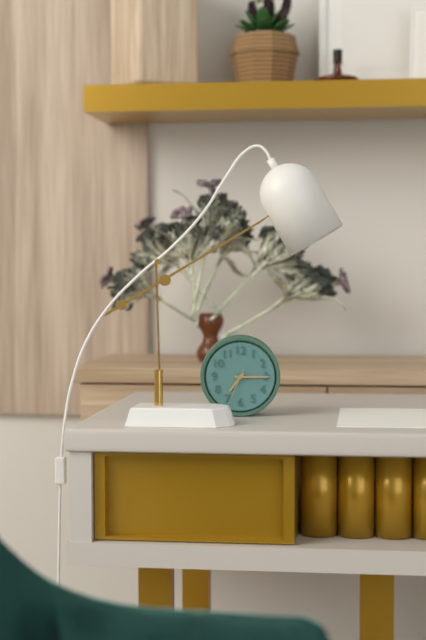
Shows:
{"hour": 7, "minute": 15}
